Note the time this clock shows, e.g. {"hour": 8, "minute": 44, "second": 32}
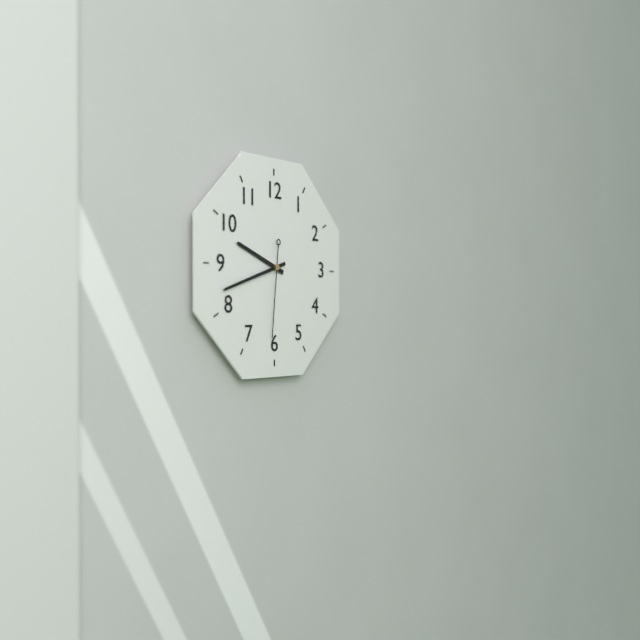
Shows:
{"hour": 9, "minute": 42, "second": 31}
